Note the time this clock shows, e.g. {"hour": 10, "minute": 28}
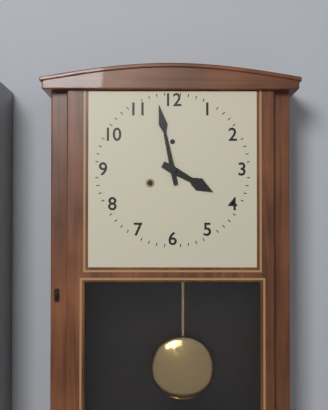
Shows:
{"hour": 3, "minute": 58}
